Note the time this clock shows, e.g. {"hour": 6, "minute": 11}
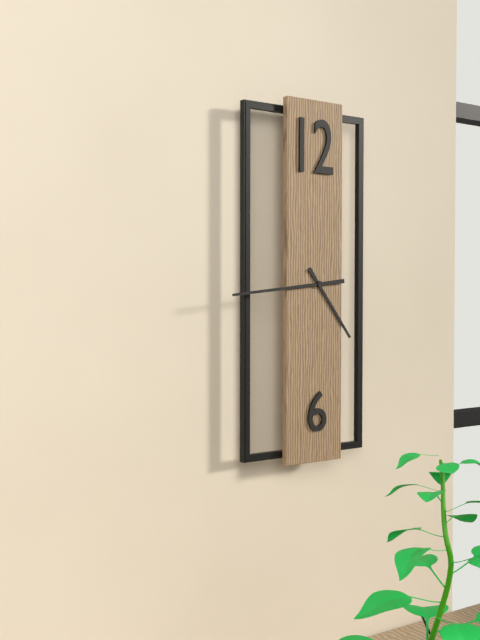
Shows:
{"hour": 4, "minute": 44}
